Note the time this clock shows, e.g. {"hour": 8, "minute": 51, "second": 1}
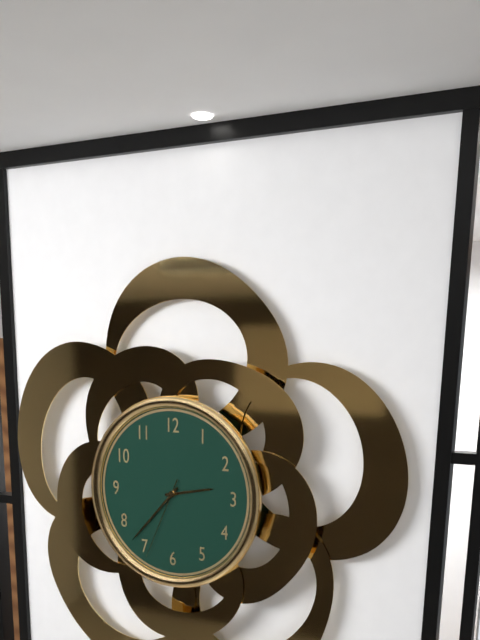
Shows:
{"hour": 2, "minute": 37, "second": 34}
